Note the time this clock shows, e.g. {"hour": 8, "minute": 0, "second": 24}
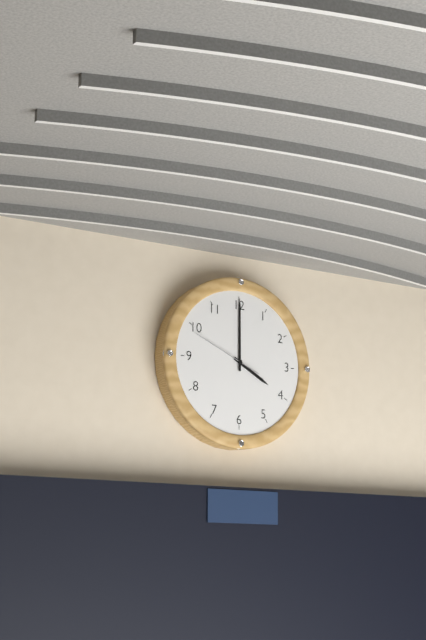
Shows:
{"hour": 4, "minute": 0, "second": 49}
